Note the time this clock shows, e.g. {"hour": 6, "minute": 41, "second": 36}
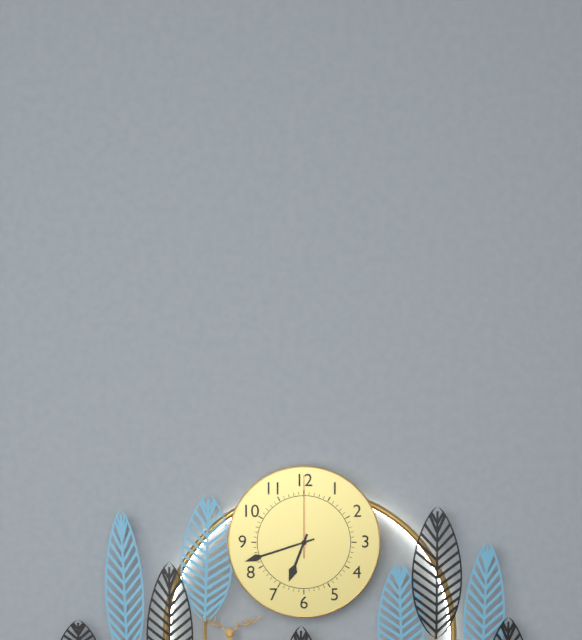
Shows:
{"hour": 6, "minute": 42, "second": 0}
